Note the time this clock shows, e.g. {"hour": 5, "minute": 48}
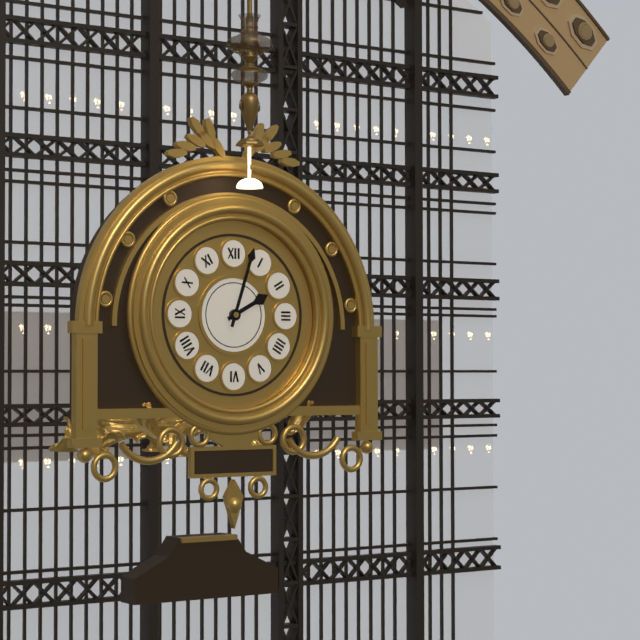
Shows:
{"hour": 2, "minute": 3}
